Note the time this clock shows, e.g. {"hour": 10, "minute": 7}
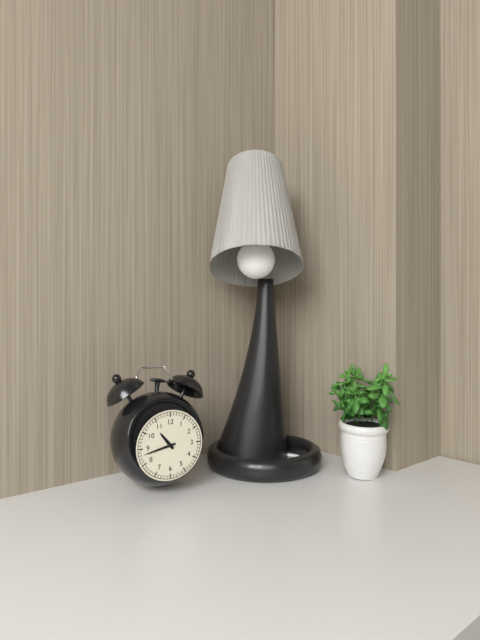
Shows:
{"hour": 10, "minute": 43}
